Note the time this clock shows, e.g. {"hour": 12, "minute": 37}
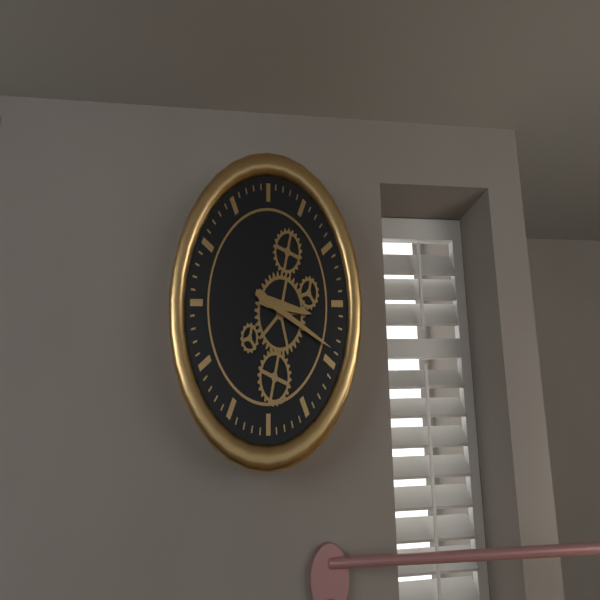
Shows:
{"hour": 3, "minute": 19}
